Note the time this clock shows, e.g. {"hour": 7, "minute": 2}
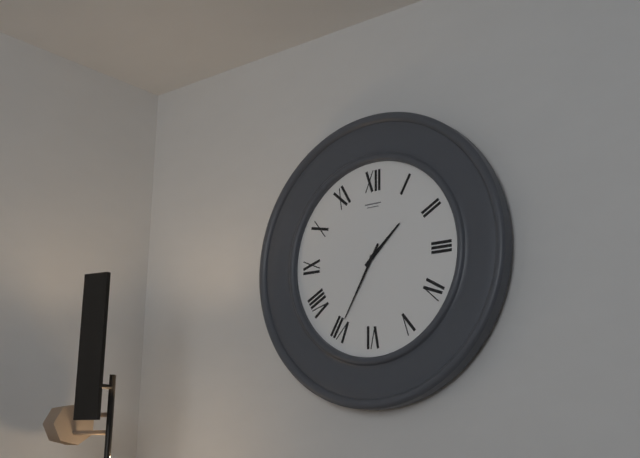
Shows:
{"hour": 1, "minute": 35}
